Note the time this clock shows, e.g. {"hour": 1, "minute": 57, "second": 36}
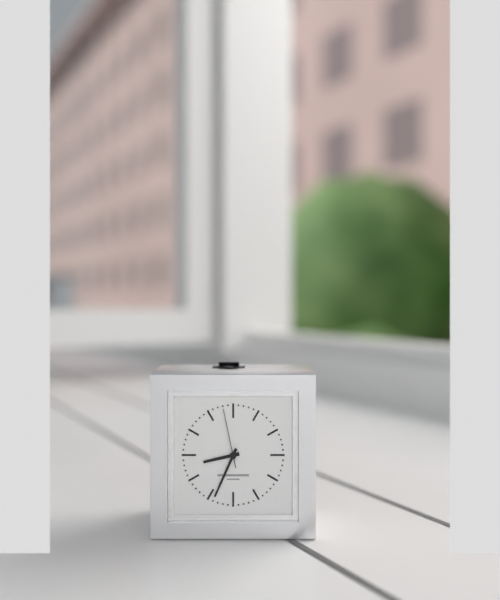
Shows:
{"hour": 8, "minute": 34, "second": 58}
